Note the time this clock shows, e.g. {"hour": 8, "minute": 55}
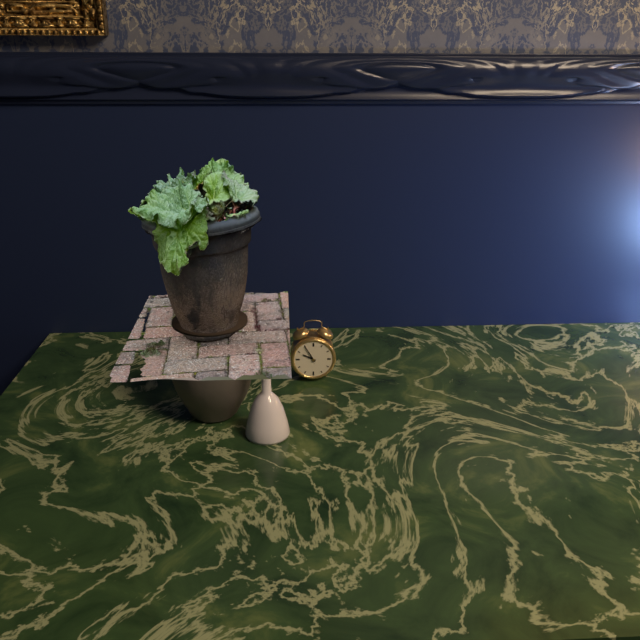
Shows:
{"hour": 9, "minute": 55}
